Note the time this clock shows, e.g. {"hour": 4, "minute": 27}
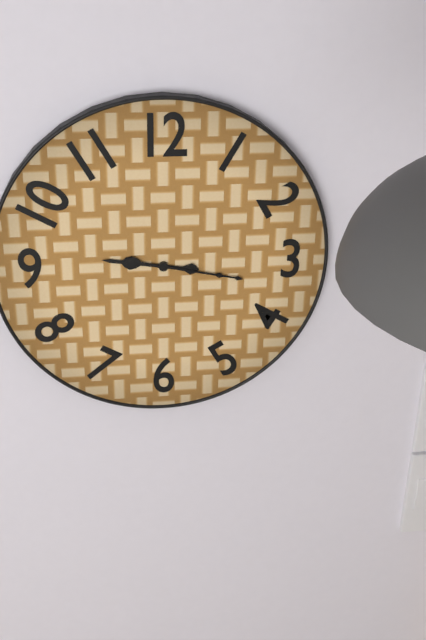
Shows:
{"hour": 9, "minute": 17}
